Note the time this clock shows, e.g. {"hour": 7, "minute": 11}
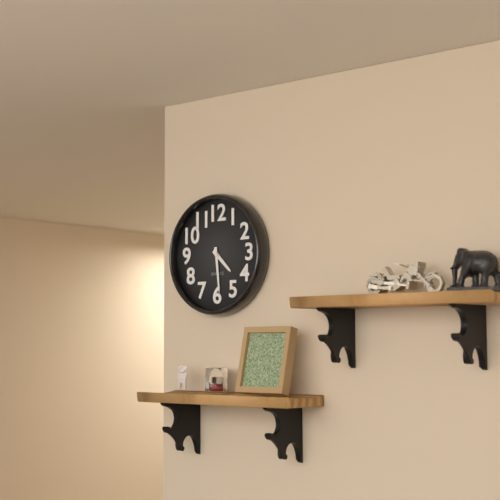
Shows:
{"hour": 4, "minute": 29}
